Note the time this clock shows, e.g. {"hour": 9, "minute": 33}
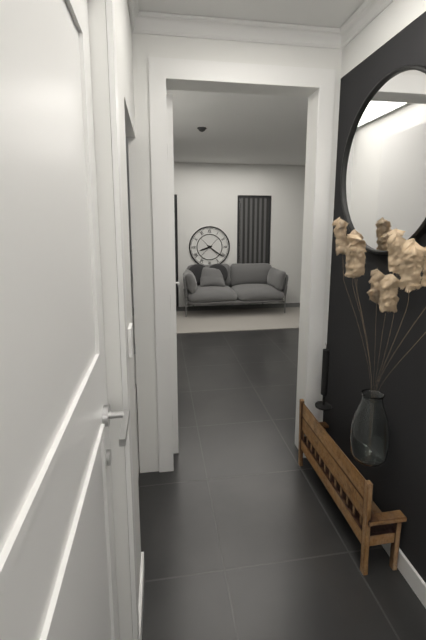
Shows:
{"hour": 8, "minute": 21}
